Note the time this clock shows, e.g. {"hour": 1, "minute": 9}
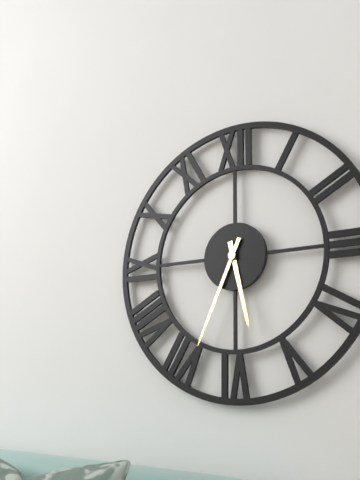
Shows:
{"hour": 5, "minute": 34}
